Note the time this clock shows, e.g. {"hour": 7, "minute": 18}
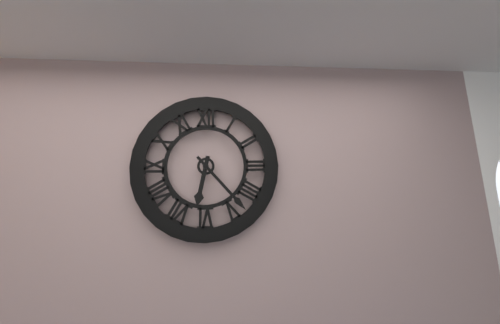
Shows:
{"hour": 6, "minute": 23}
